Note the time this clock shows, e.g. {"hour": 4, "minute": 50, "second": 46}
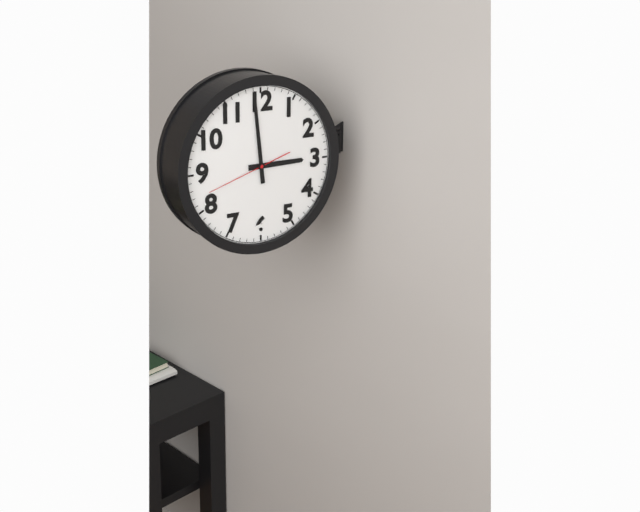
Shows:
{"hour": 2, "minute": 59, "second": 42}
